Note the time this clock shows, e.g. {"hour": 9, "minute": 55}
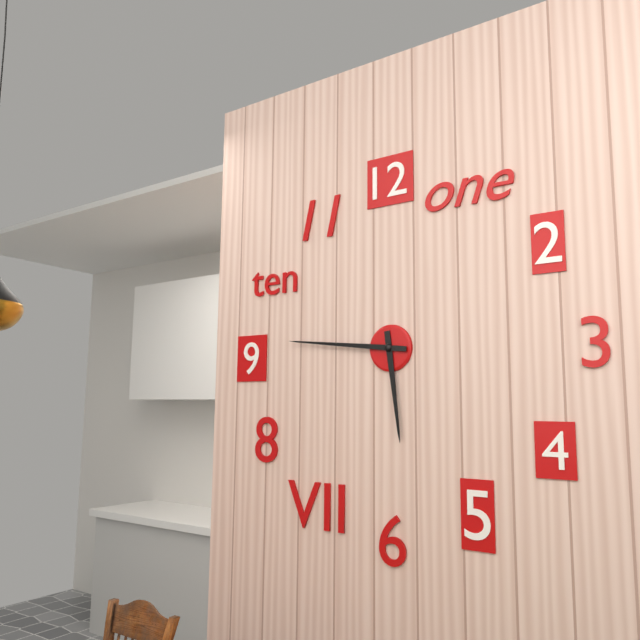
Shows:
{"hour": 5, "minute": 46}
